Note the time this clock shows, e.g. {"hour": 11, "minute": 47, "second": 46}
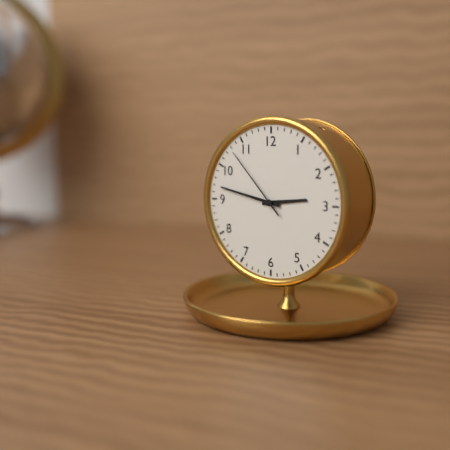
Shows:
{"hour": 2, "minute": 47, "second": 53}
